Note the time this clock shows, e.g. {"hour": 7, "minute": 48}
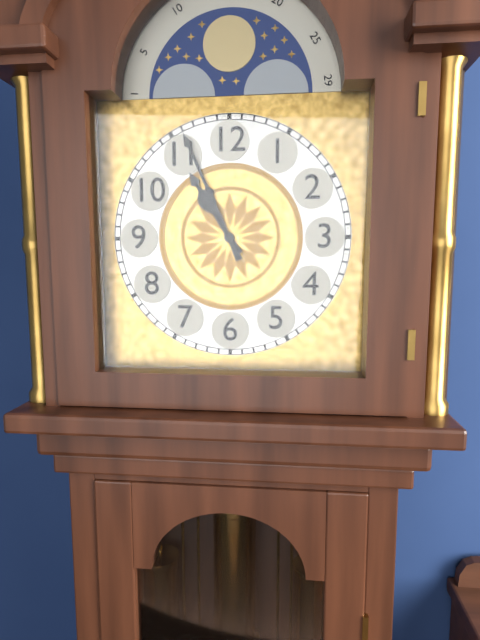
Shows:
{"hour": 10, "minute": 56}
